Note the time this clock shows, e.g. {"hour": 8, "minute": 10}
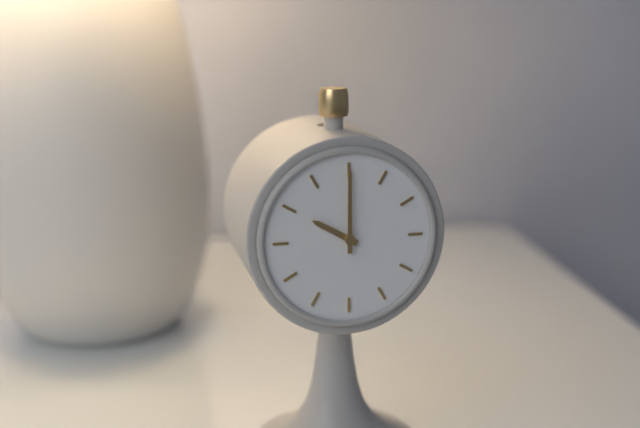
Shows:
{"hour": 10, "minute": 0}
